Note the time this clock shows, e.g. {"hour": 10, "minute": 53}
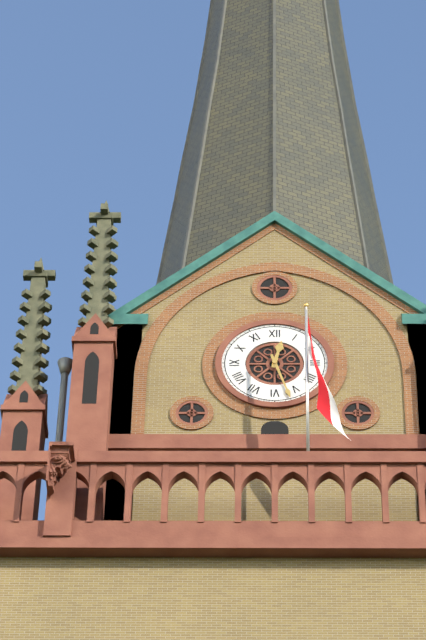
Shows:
{"hour": 12, "minute": 27}
